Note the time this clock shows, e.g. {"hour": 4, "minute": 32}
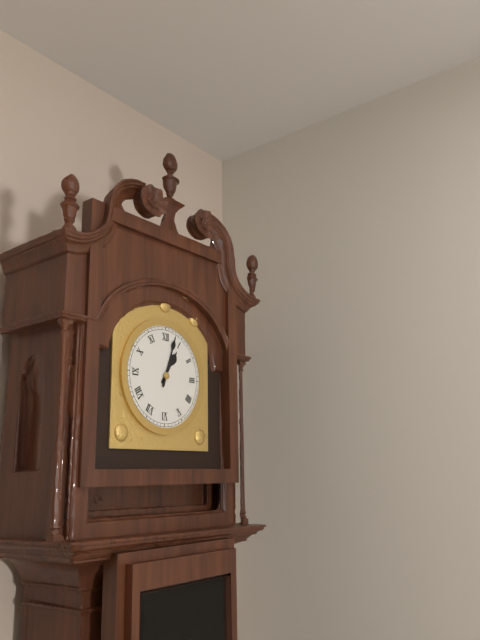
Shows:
{"hour": 1, "minute": 3}
